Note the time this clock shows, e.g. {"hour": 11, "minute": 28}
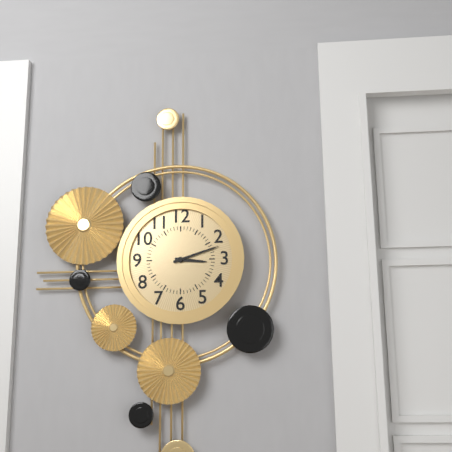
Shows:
{"hour": 3, "minute": 12}
